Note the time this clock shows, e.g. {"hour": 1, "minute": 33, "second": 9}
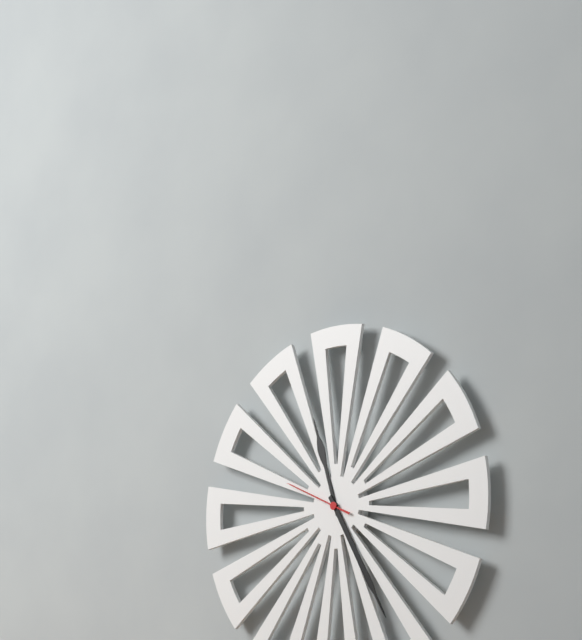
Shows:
{"hour": 11, "minute": 25, "second": 49}
